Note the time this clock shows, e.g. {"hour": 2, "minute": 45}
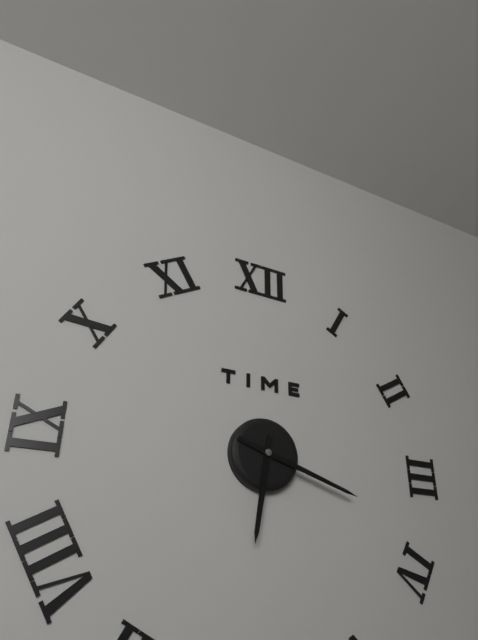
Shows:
{"hour": 6, "minute": 18}
